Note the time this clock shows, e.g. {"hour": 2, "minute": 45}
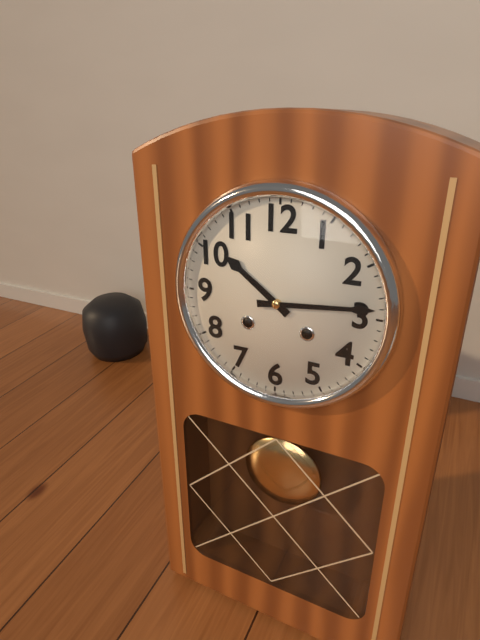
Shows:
{"hour": 10, "minute": 14}
